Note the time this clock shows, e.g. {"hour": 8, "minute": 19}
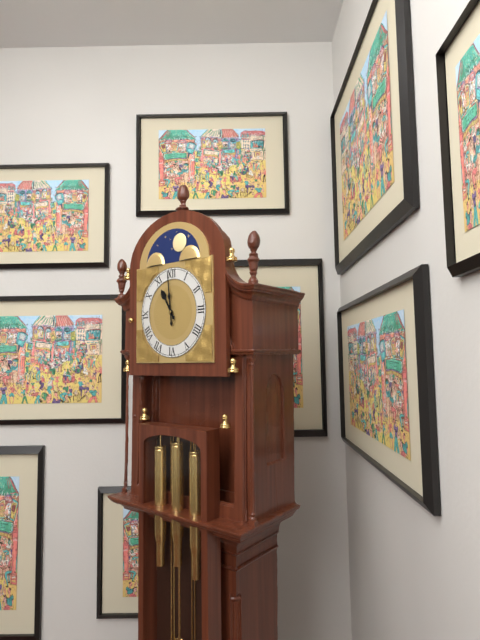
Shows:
{"hour": 10, "minute": 59}
